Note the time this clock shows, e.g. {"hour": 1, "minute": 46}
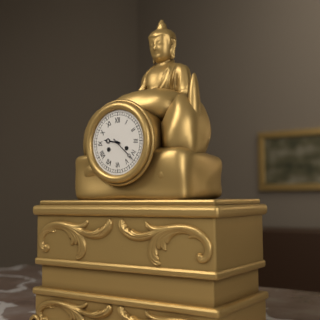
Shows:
{"hour": 9, "minute": 22}
